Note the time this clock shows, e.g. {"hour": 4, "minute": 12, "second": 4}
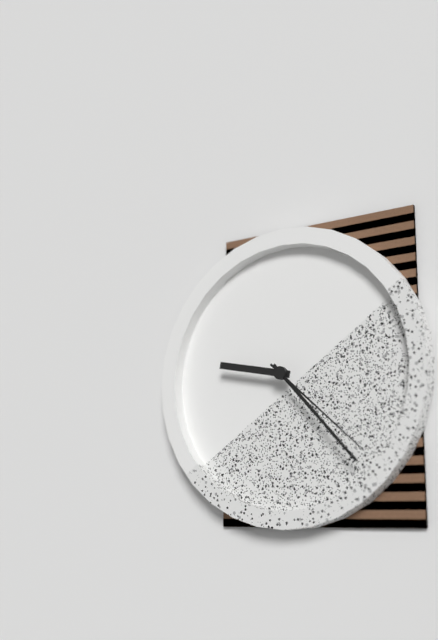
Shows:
{"hour": 9, "minute": 23, "second": 22}
